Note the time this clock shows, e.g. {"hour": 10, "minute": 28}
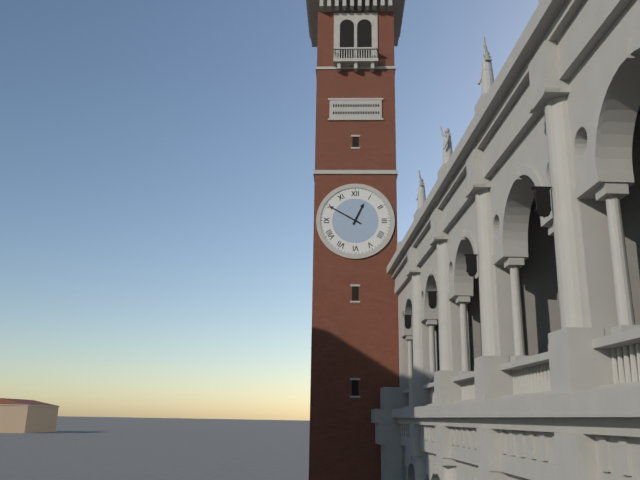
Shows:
{"hour": 12, "minute": 50}
